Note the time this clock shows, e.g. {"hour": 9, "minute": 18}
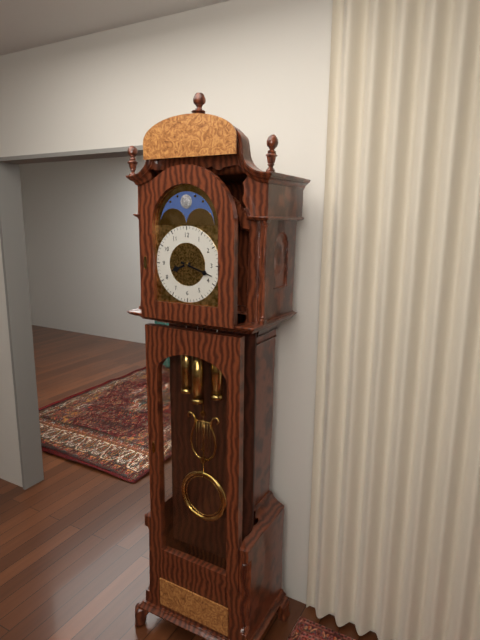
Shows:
{"hour": 8, "minute": 18}
